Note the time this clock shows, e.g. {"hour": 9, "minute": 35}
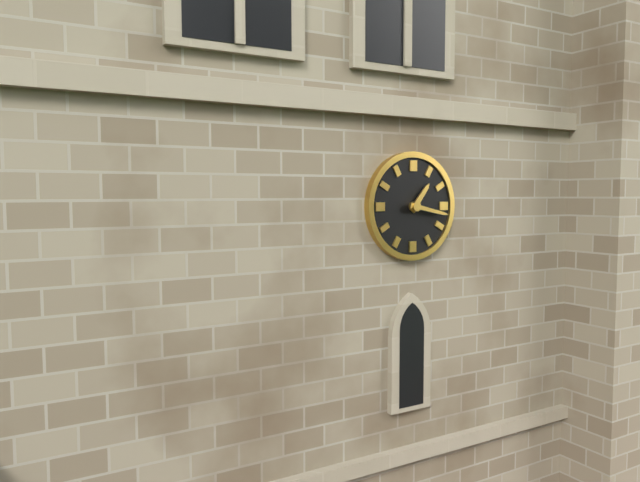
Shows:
{"hour": 1, "minute": 17}
